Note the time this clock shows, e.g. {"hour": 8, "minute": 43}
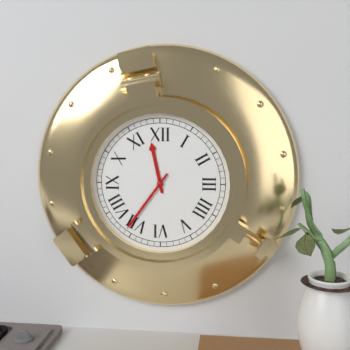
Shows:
{"hour": 11, "minute": 36}
